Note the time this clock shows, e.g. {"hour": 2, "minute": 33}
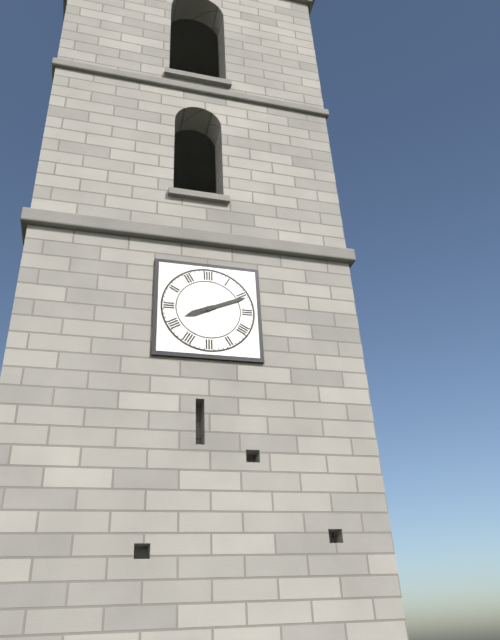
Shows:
{"hour": 8, "minute": 11}
